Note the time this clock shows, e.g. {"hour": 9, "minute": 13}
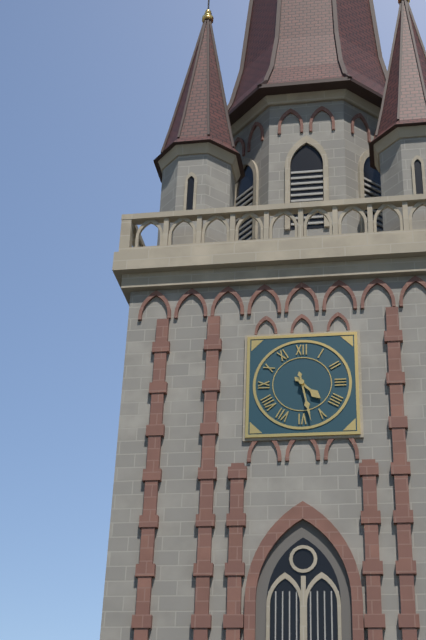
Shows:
{"hour": 4, "minute": 28}
